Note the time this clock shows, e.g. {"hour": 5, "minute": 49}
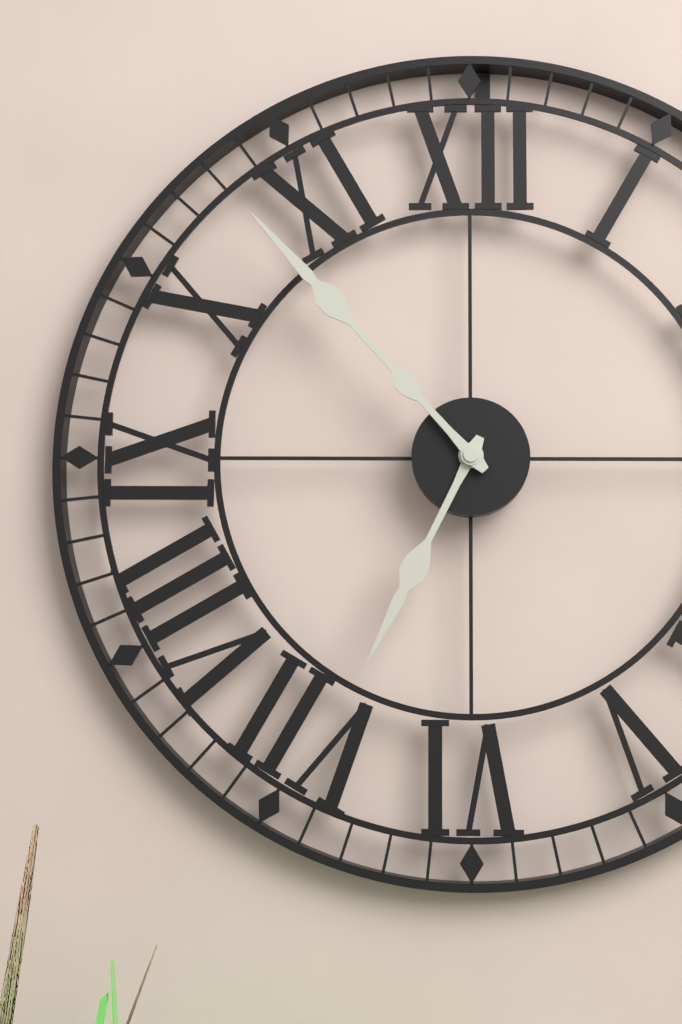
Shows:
{"hour": 6, "minute": 53}
